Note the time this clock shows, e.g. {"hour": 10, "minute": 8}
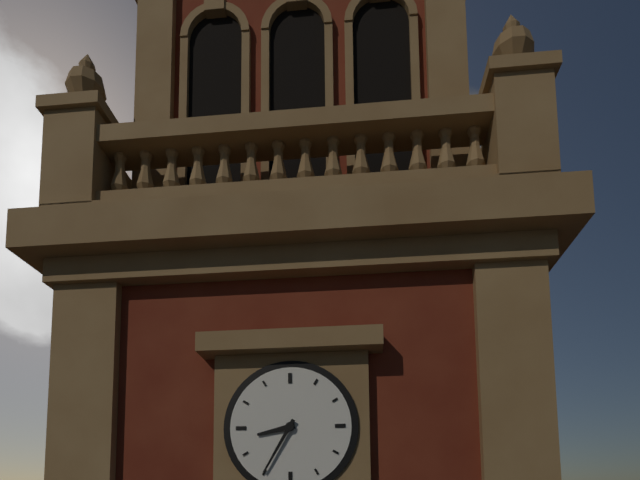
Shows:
{"hour": 8, "minute": 35}
